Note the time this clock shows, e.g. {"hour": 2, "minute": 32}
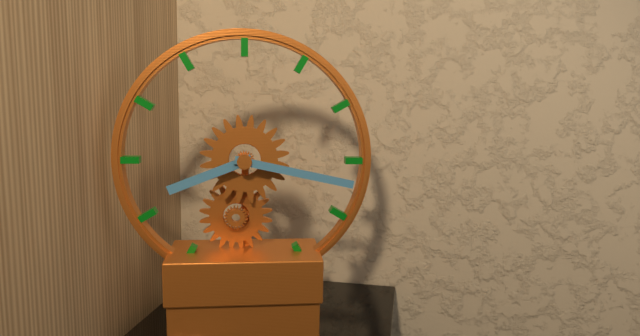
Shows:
{"hour": 8, "minute": 17}
